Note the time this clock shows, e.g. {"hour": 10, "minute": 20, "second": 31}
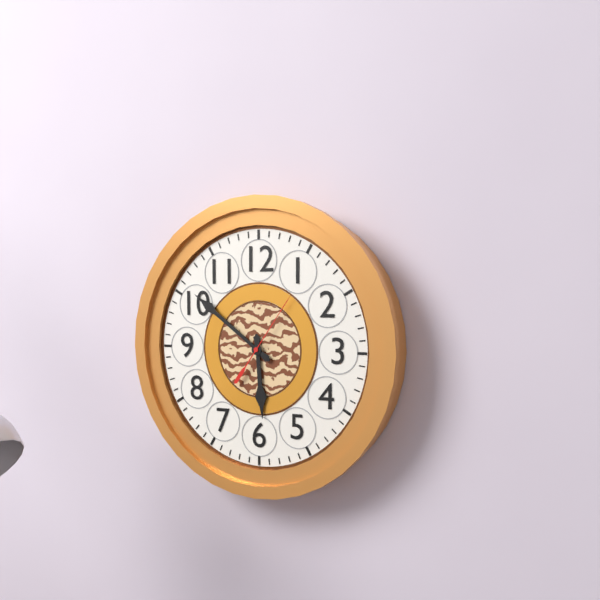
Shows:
{"hour": 5, "minute": 51, "second": 6}
